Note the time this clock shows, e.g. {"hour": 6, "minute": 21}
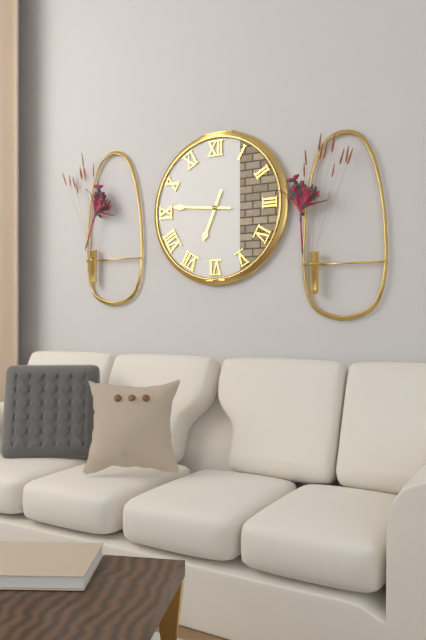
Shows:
{"hour": 6, "minute": 46}
